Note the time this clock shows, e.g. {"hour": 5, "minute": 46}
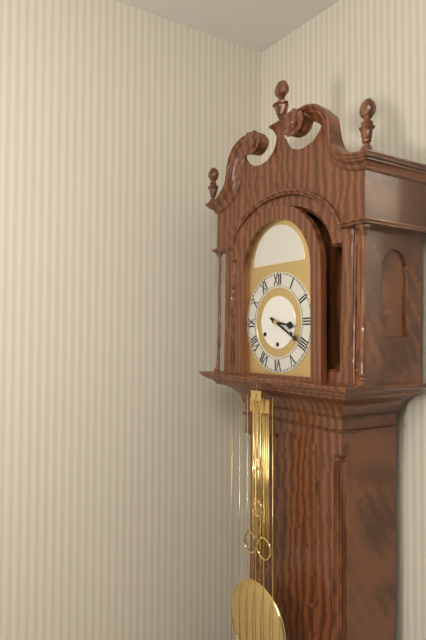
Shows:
{"hour": 3, "minute": 20}
